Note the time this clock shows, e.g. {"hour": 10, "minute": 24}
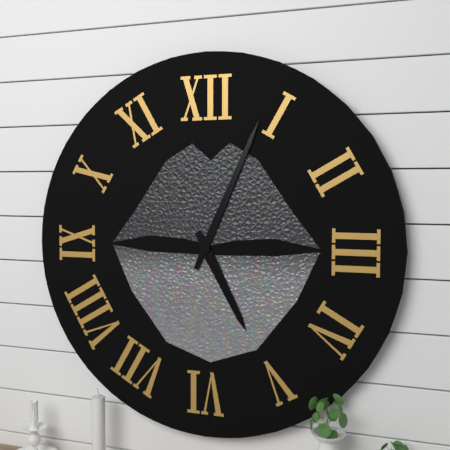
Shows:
{"hour": 5, "minute": 4}
